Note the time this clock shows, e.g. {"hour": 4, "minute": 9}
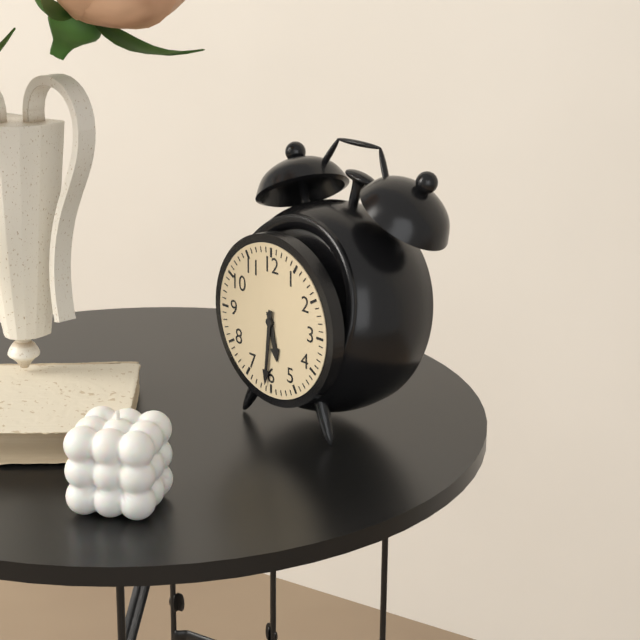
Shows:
{"hour": 5, "minute": 31}
